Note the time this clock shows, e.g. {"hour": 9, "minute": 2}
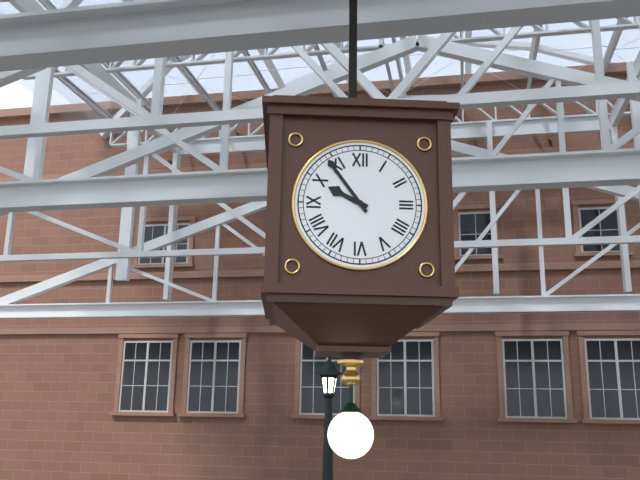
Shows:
{"hour": 9, "minute": 54}
